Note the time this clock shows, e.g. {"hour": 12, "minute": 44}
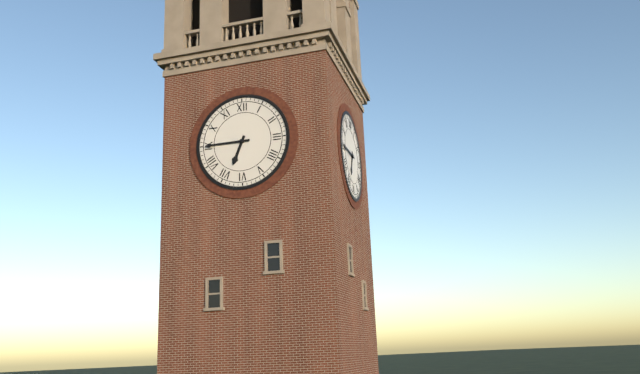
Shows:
{"hour": 6, "minute": 45}
